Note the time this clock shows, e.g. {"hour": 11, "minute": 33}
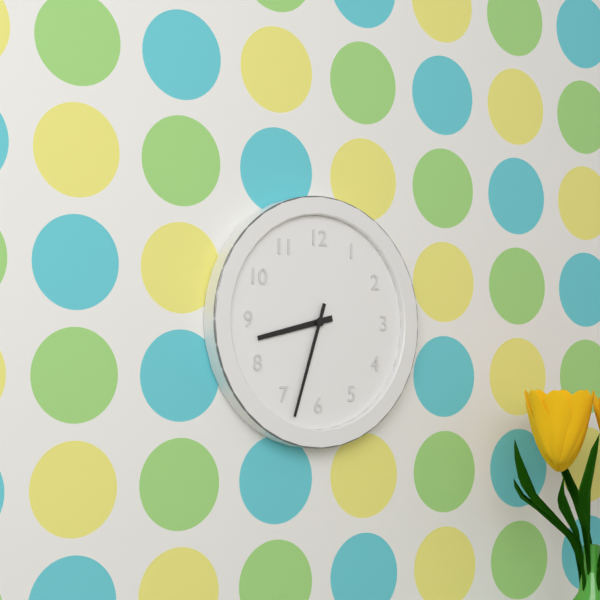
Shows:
{"hour": 8, "minute": 33}
